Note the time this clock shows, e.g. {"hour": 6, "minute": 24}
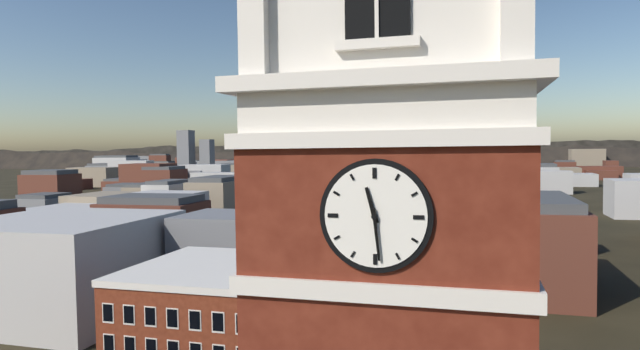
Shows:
{"hour": 11, "minute": 29}
